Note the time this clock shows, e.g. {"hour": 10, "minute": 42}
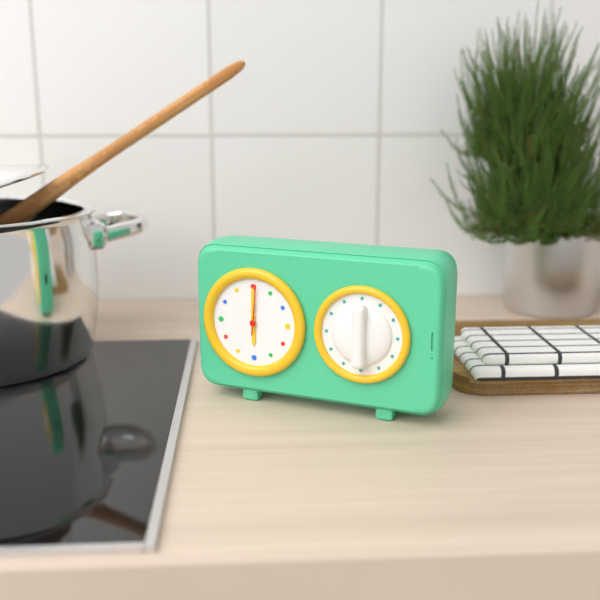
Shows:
{"hour": 6, "minute": 0}
